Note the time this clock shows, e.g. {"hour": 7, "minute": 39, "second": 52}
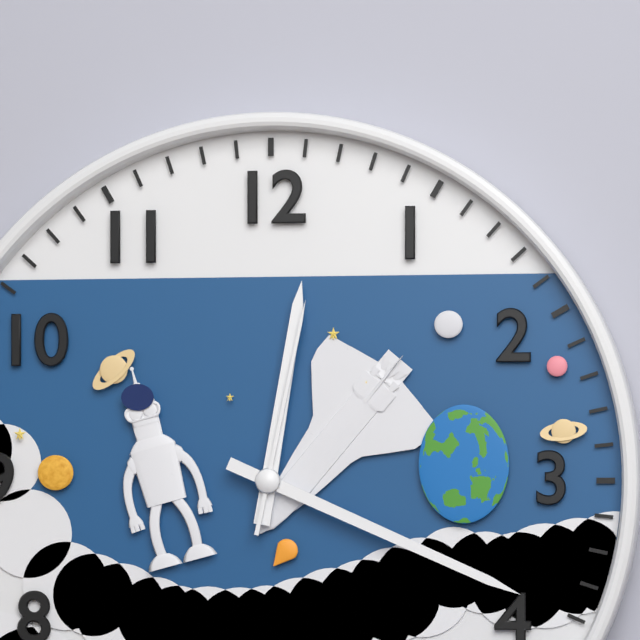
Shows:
{"hour": 12, "minute": 19, "second": 2}
